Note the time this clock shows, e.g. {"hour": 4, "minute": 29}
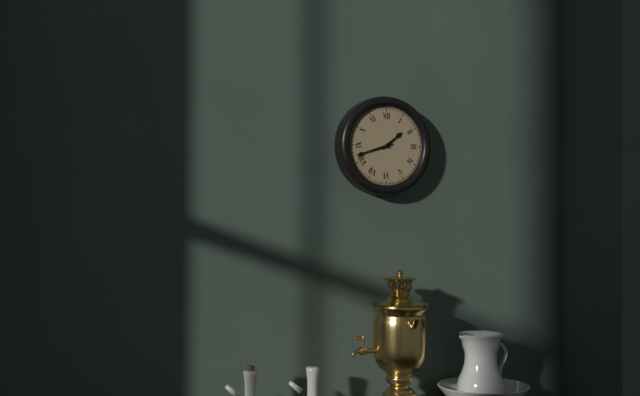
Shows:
{"hour": 1, "minute": 42}
